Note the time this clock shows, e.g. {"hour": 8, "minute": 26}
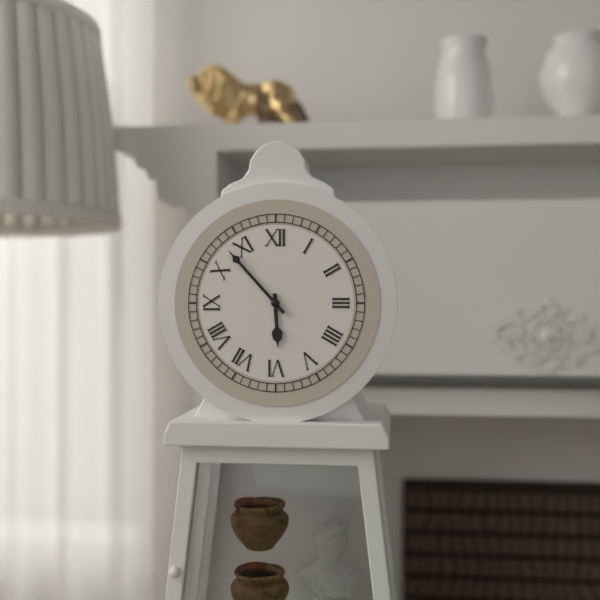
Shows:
{"hour": 5, "minute": 53}
